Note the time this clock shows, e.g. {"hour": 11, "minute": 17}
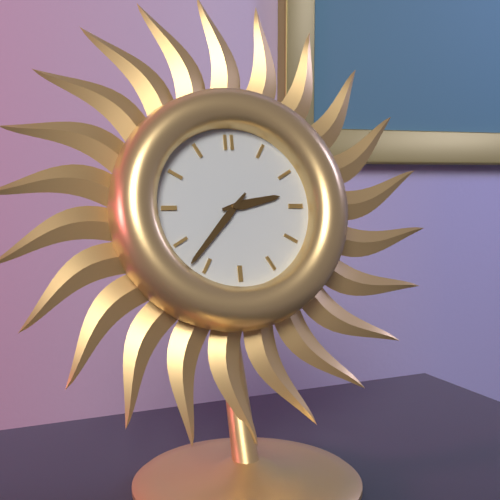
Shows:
{"hour": 2, "minute": 37}
